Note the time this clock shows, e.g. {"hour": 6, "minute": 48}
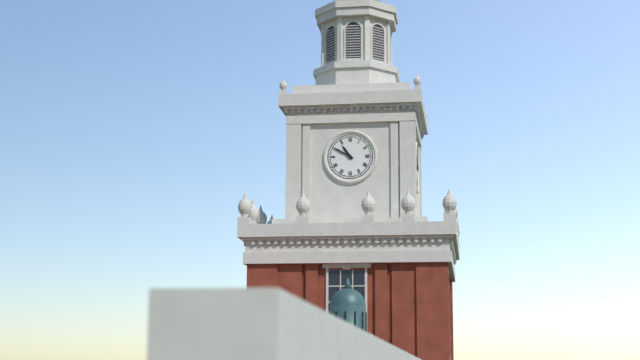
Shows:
{"hour": 10, "minute": 50}
